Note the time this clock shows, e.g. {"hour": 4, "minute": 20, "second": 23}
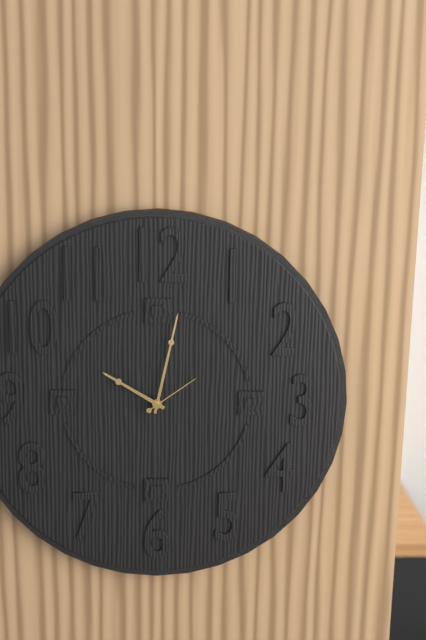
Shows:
{"hour": 10, "minute": 2, "second": 9}
